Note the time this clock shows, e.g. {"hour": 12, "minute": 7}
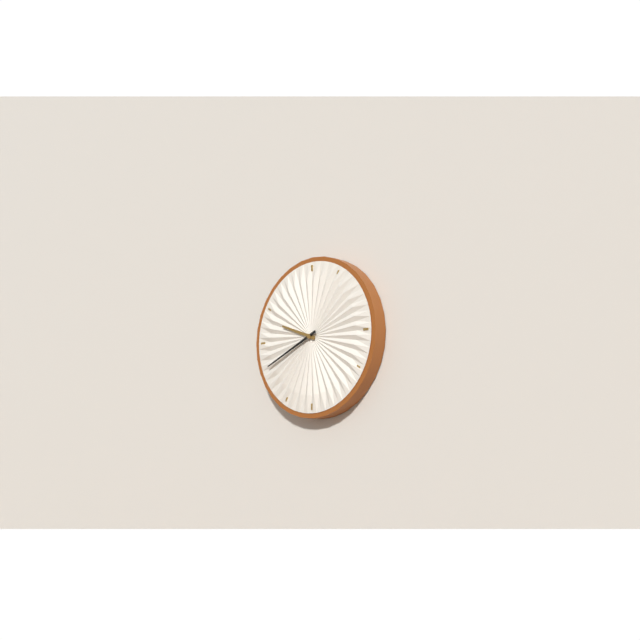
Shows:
{"hour": 9, "minute": 41}
